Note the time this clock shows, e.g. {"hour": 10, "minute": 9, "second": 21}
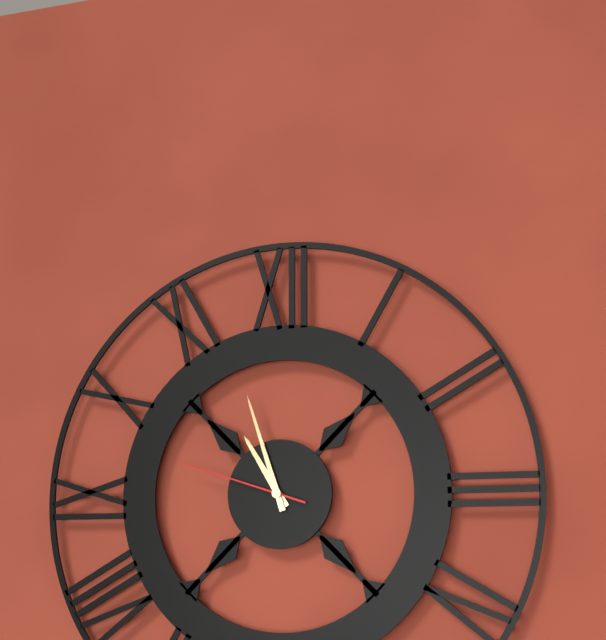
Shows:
{"hour": 10, "minute": 57, "second": 48}
